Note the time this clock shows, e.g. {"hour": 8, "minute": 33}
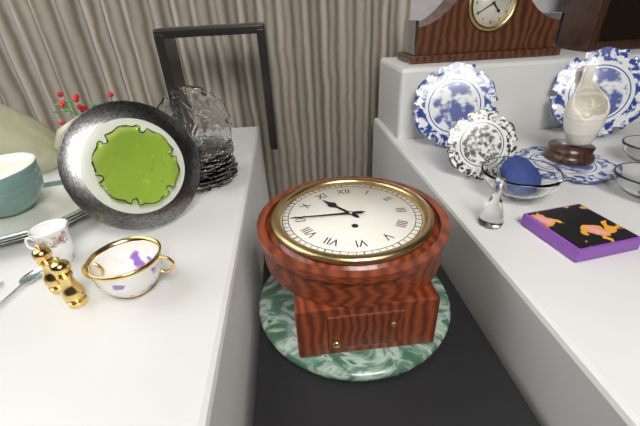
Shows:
{"hour": 10, "minute": 45}
